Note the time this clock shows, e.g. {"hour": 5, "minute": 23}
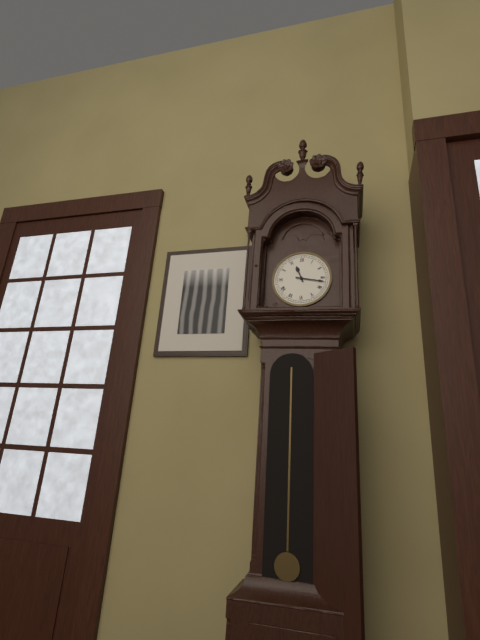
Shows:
{"hour": 11, "minute": 17}
